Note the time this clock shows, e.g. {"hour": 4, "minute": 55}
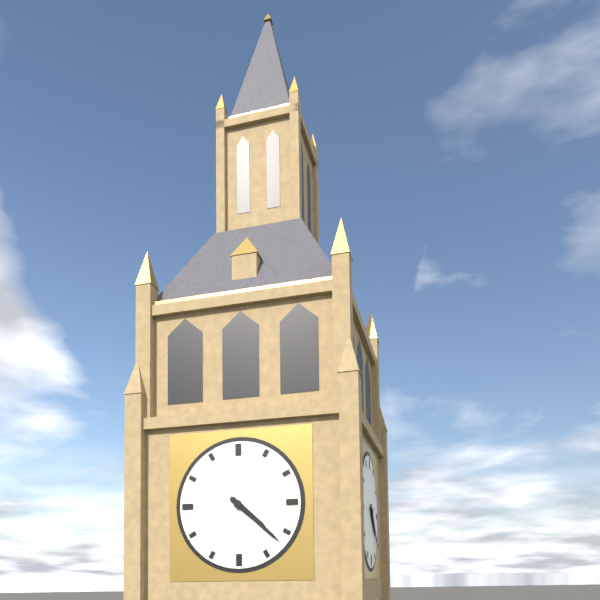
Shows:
{"hour": 4, "minute": 22}
